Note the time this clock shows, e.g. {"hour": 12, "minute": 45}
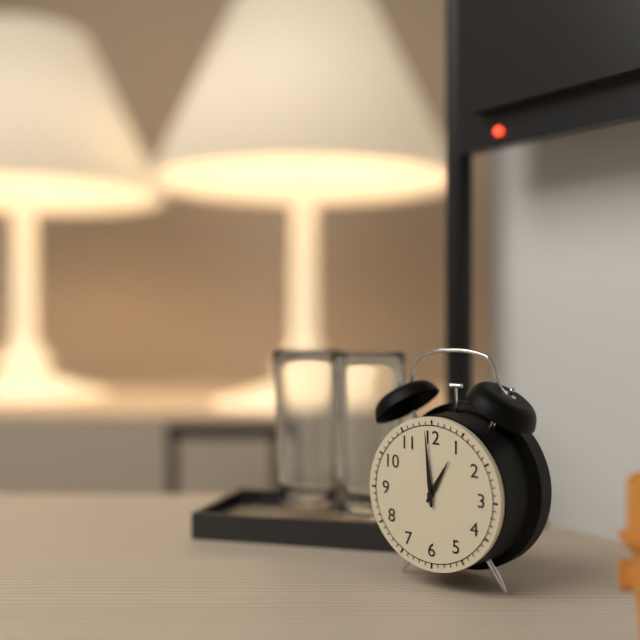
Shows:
{"hour": 12, "minute": 59}
